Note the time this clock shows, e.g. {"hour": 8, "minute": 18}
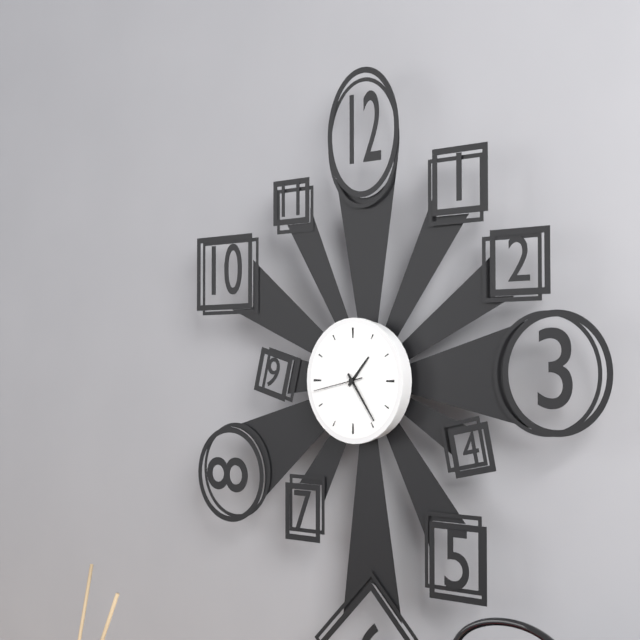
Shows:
{"hour": 1, "minute": 24}
